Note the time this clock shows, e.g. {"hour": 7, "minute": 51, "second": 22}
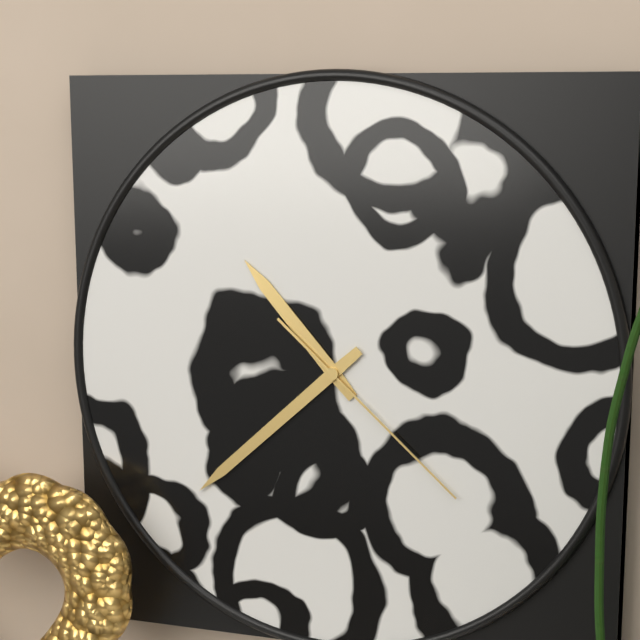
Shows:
{"hour": 10, "minute": 38, "second": 22}
